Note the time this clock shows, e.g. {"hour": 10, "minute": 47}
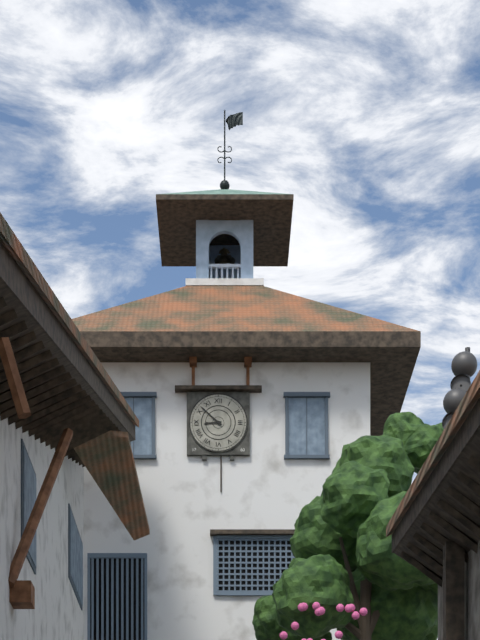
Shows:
{"hour": 8, "minute": 52}
